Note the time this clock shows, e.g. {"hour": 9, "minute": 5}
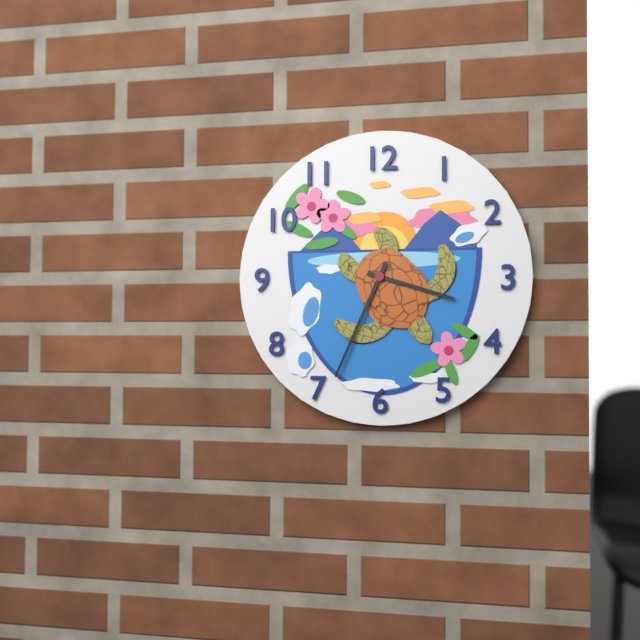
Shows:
{"hour": 3, "minute": 34}
